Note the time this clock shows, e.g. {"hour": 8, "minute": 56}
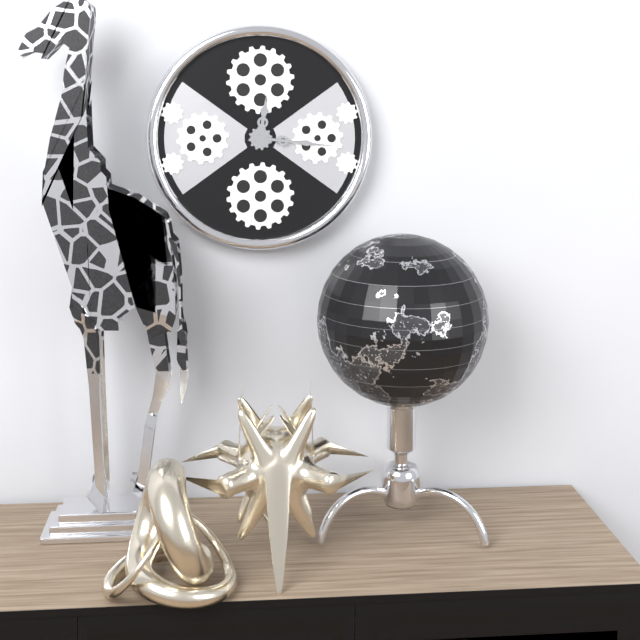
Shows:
{"hour": 12, "minute": 16}
